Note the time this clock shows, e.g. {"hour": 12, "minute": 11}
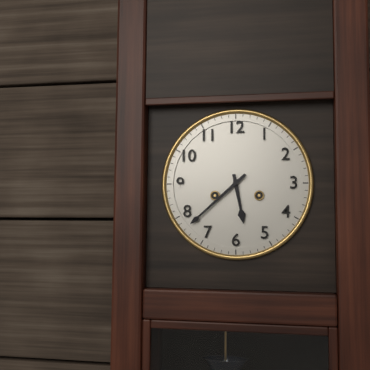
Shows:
{"hour": 5, "minute": 38}
